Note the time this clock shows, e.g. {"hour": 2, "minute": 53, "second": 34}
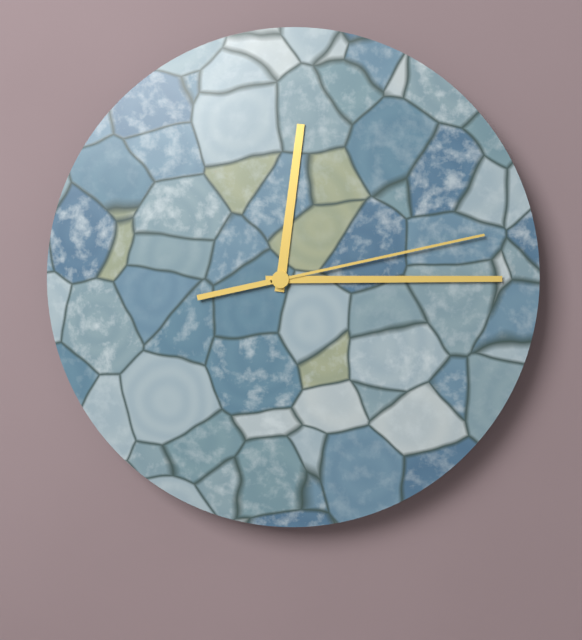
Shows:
{"hour": 12, "minute": 15, "second": 13}
